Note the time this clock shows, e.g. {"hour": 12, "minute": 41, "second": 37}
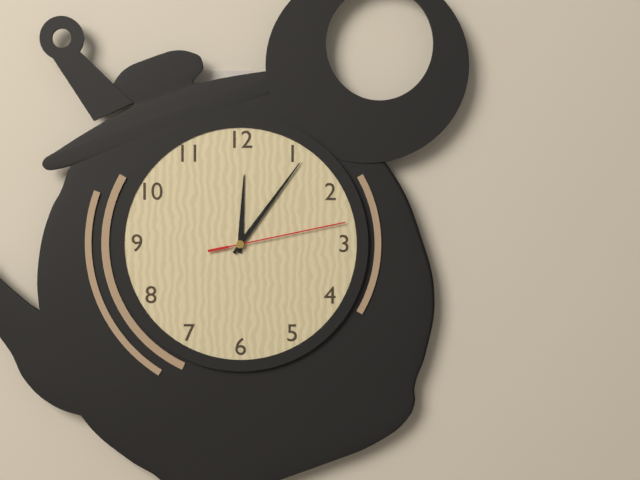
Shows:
{"hour": 12, "minute": 6, "second": 13}
